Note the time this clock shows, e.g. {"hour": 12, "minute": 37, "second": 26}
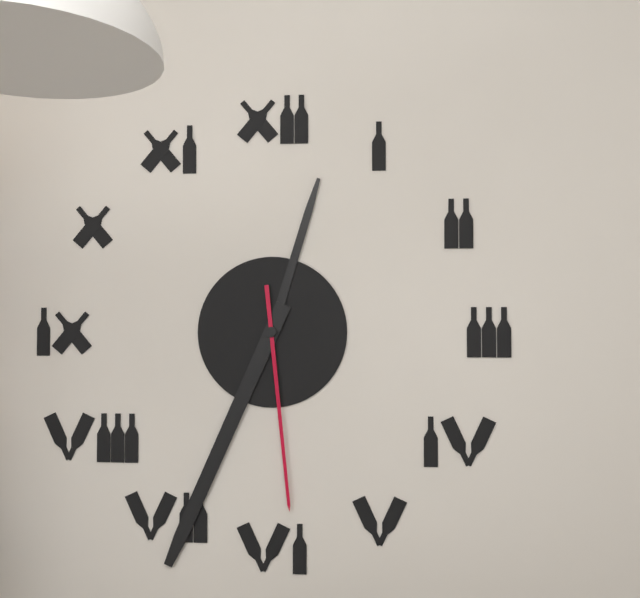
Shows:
{"hour": 12, "minute": 34, "second": 29}
